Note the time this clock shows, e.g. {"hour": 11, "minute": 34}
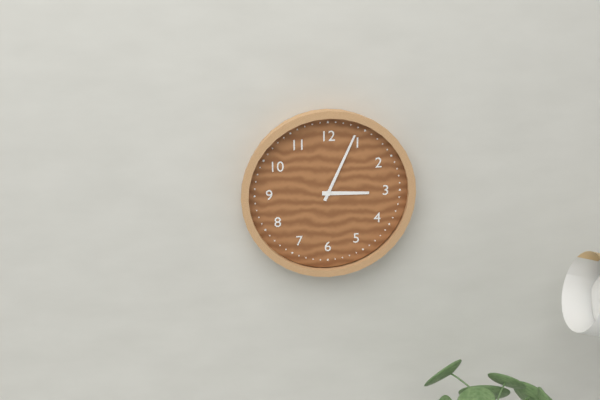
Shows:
{"hour": 3, "minute": 4}
